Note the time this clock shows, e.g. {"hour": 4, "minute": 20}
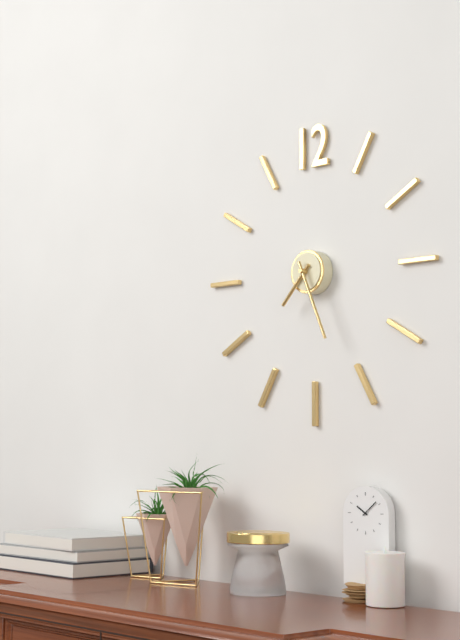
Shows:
{"hour": 7, "minute": 26}
